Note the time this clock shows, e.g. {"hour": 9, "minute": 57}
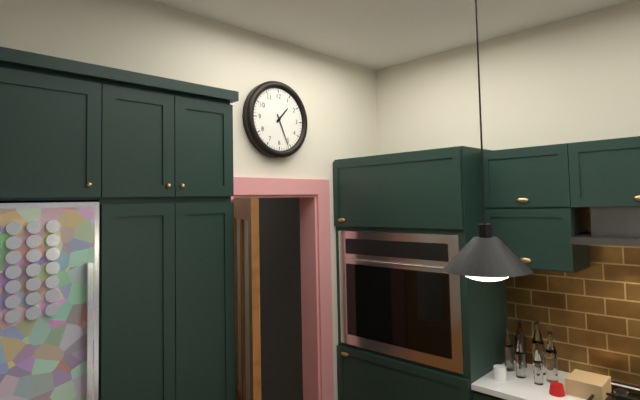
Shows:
{"hour": 1, "minute": 26}
